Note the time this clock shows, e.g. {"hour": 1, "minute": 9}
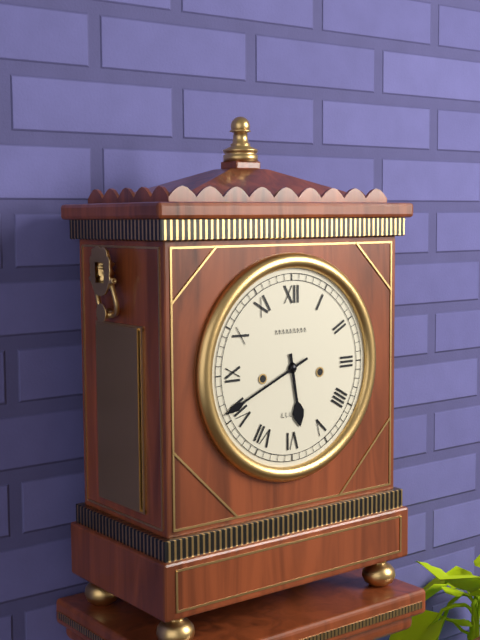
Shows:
{"hour": 5, "minute": 41}
